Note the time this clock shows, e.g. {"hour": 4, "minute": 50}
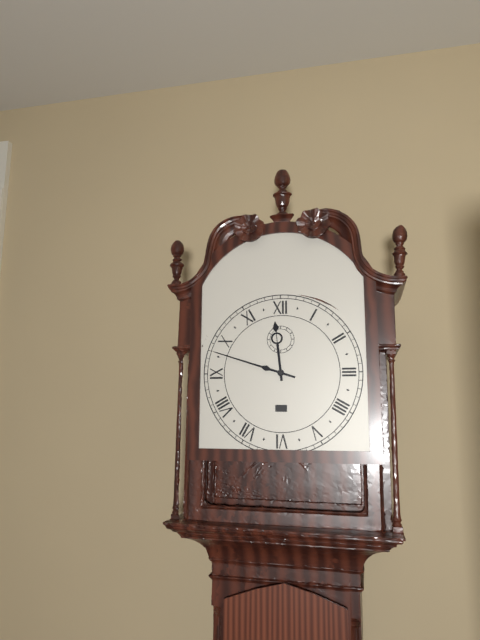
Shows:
{"hour": 11, "minute": 48}
